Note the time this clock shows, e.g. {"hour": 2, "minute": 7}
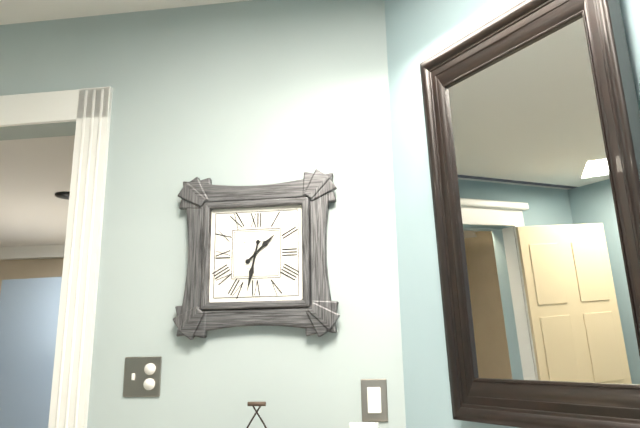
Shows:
{"hour": 1, "minute": 32}
